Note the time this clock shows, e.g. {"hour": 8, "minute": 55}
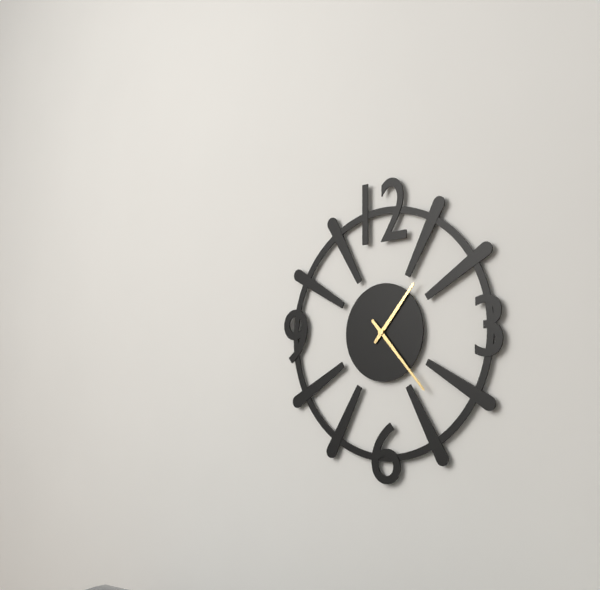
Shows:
{"hour": 1, "minute": 23}
